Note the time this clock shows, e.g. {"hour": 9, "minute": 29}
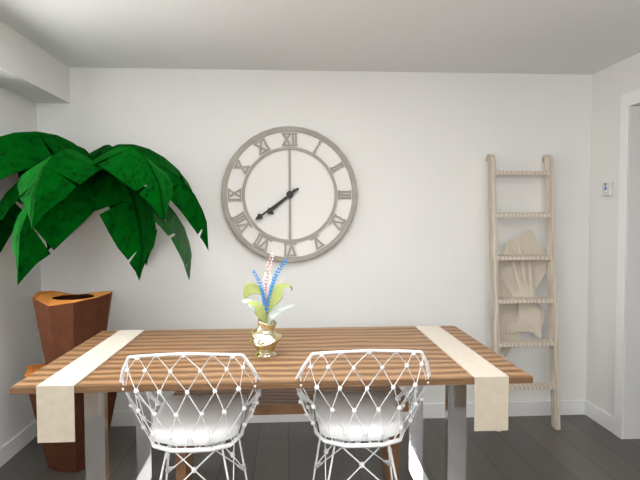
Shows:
{"hour": 7, "minute": 39}
